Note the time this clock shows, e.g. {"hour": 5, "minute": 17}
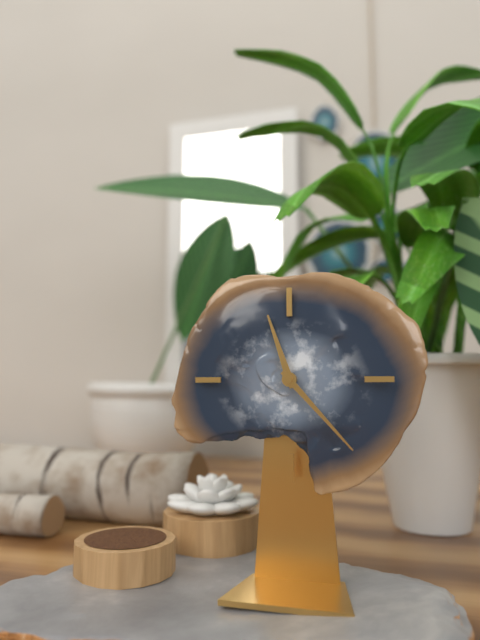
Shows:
{"hour": 11, "minute": 23}
